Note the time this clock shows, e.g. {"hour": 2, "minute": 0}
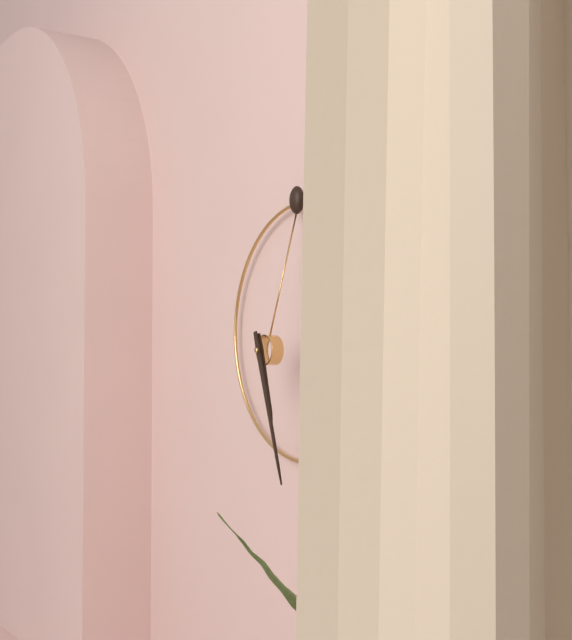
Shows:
{"hour": 5, "minute": 27}
